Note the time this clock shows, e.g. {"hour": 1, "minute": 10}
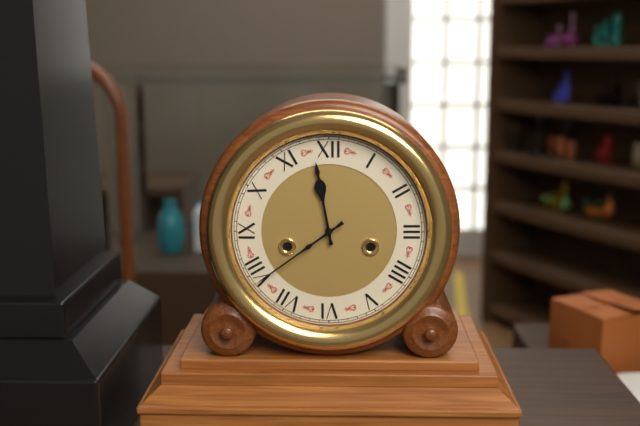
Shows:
{"hour": 11, "minute": 39}
